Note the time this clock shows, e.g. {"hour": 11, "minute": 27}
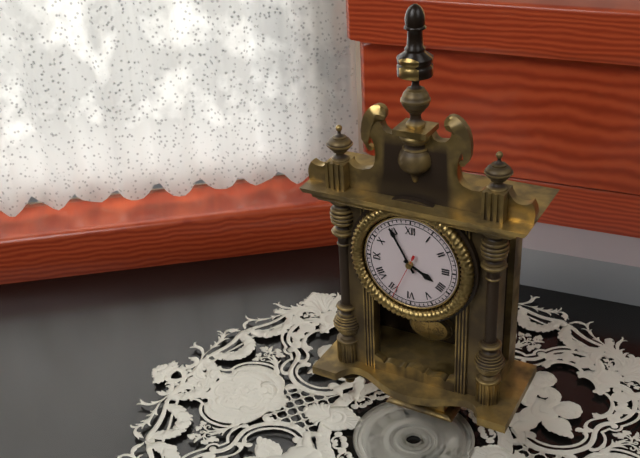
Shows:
{"hour": 3, "minute": 55}
